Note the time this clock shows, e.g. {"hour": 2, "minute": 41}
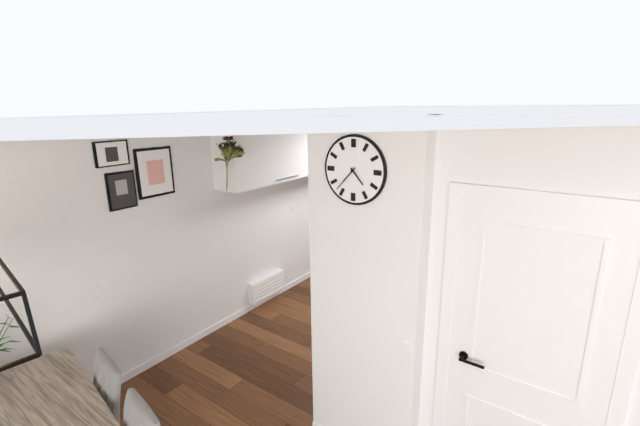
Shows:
{"hour": 4, "minute": 37}
